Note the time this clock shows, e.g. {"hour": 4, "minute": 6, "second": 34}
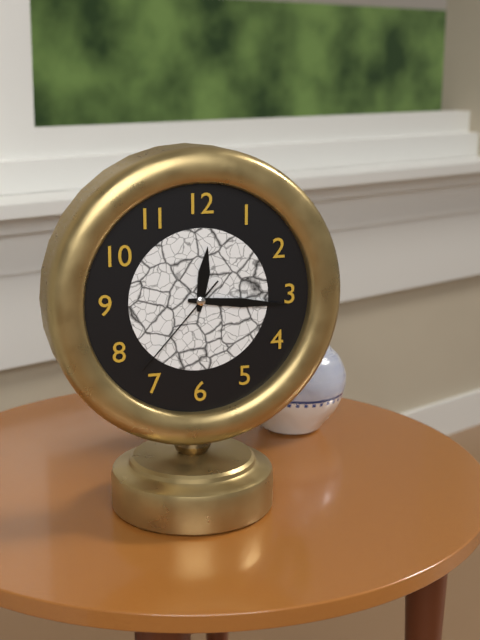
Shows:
{"hour": 12, "minute": 16, "second": 37}
